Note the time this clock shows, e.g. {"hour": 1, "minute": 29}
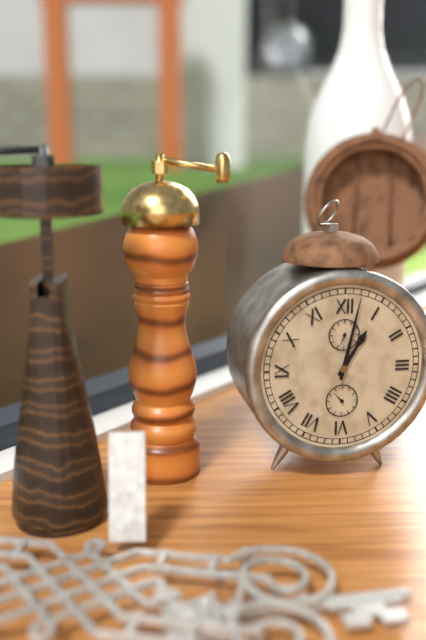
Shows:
{"hour": 1, "minute": 2}
